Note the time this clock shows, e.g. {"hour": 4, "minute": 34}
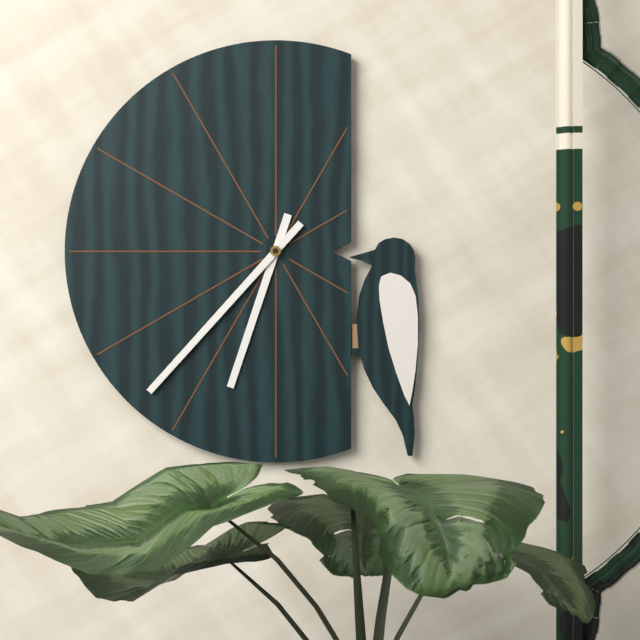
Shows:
{"hour": 6, "minute": 37}
